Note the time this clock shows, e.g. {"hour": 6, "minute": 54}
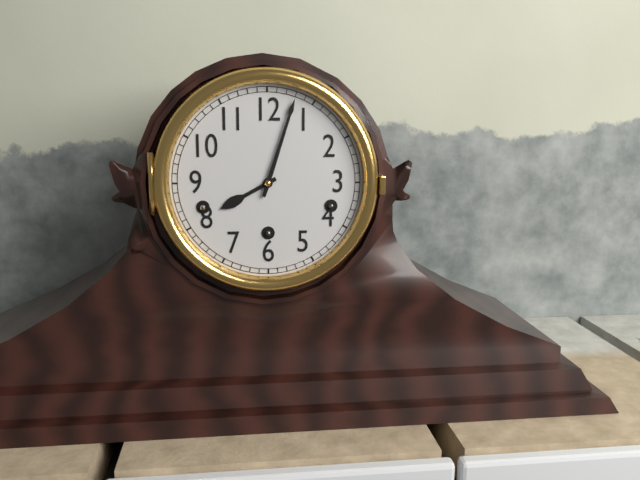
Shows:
{"hour": 8, "minute": 3}
